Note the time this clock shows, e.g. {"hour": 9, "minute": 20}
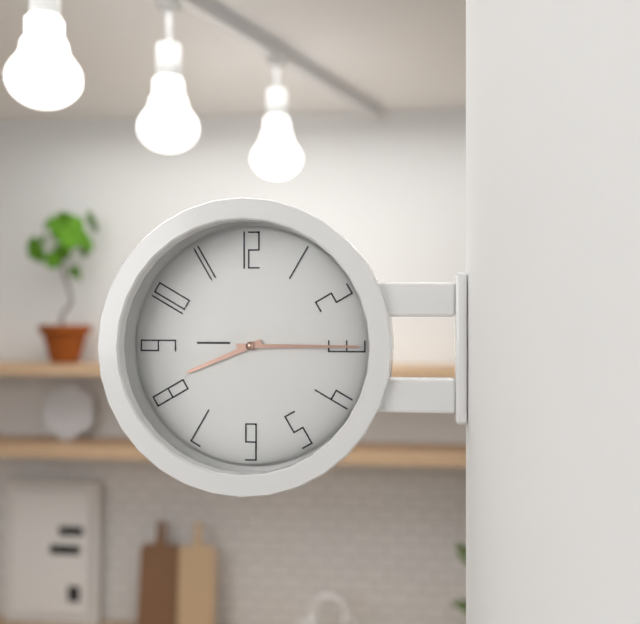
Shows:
{"hour": 8, "minute": 15}
